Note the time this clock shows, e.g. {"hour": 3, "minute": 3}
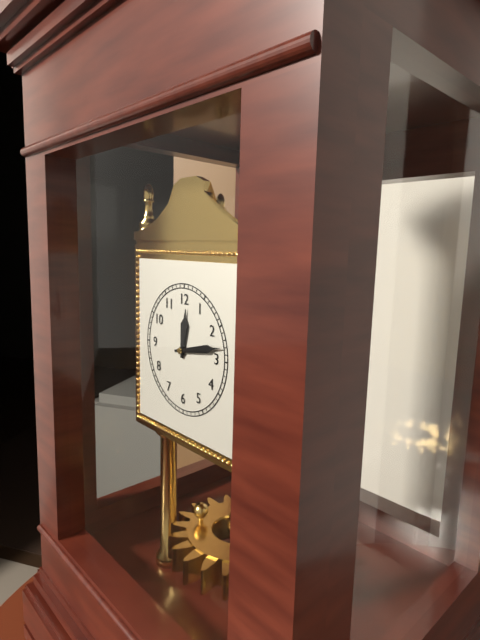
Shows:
{"hour": 12, "minute": 13}
